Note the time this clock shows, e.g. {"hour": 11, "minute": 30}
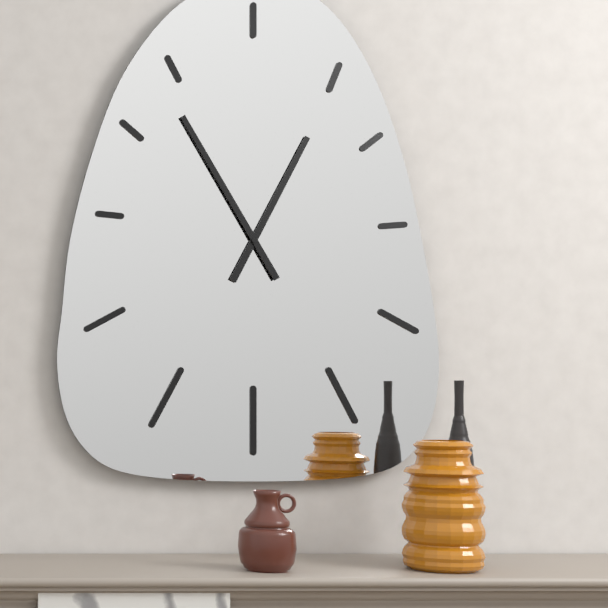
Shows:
{"hour": 12, "minute": 55}
